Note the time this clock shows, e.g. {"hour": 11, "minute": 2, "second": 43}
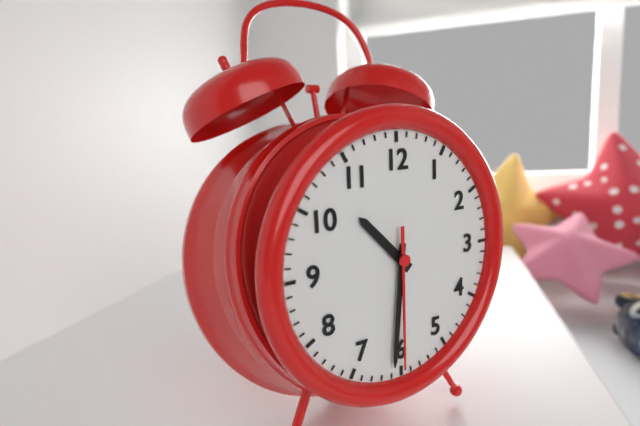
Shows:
{"hour": 10, "minute": 31, "second": 30}
